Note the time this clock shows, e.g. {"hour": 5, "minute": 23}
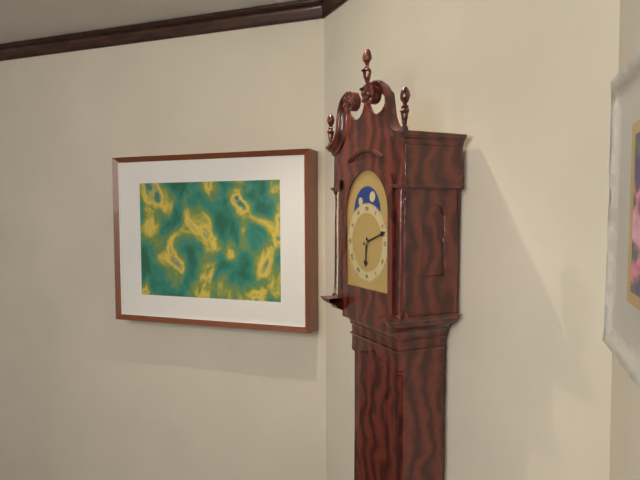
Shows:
{"hour": 6, "minute": 12}
